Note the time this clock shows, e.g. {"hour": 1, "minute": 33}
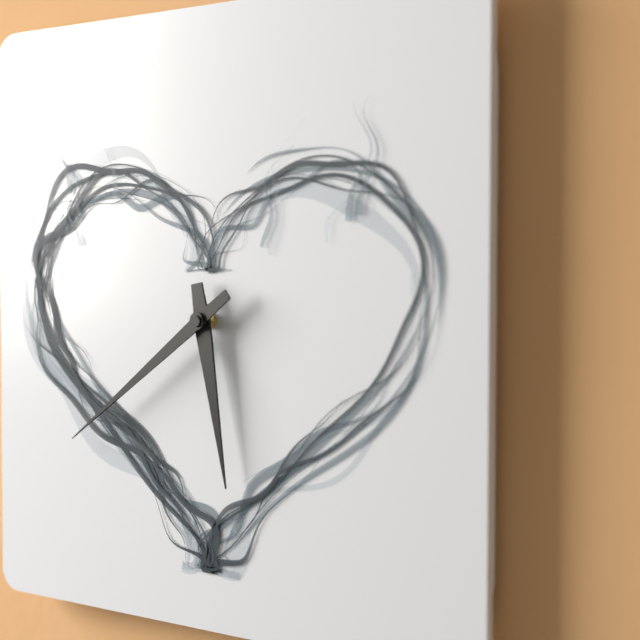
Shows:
{"hour": 5, "minute": 39}
